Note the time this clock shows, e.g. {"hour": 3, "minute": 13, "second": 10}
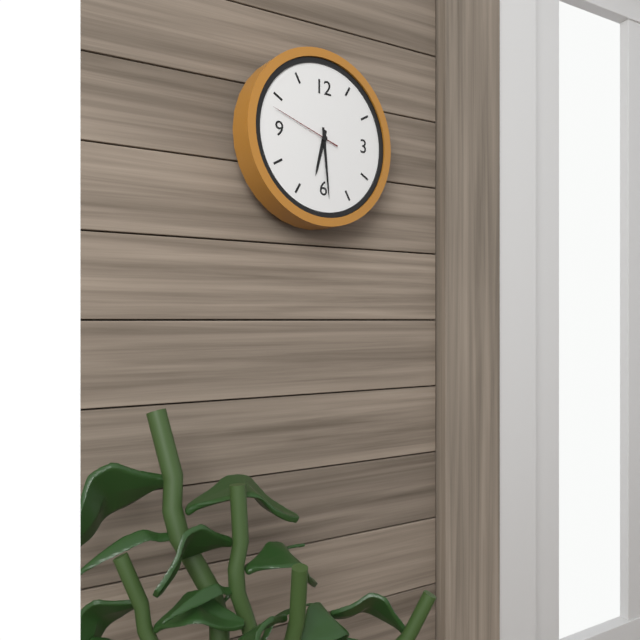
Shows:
{"hour": 6, "minute": 29, "second": 48}
